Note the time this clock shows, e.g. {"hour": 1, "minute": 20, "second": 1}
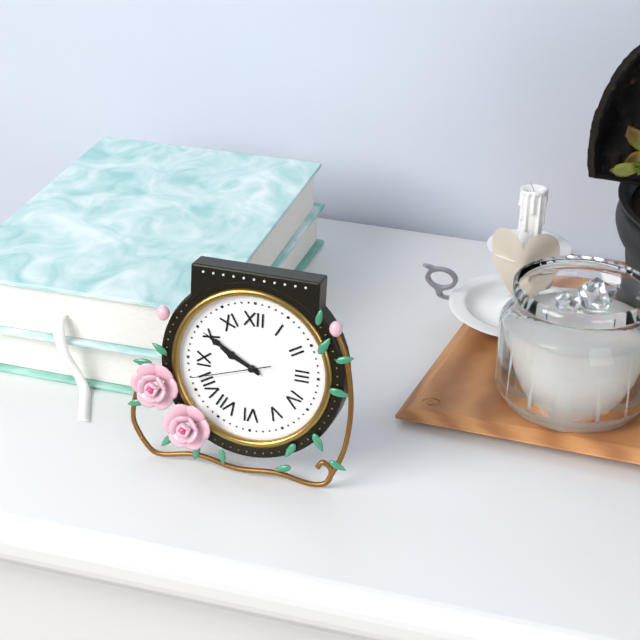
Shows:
{"hour": 9, "minute": 50, "second": 42}
